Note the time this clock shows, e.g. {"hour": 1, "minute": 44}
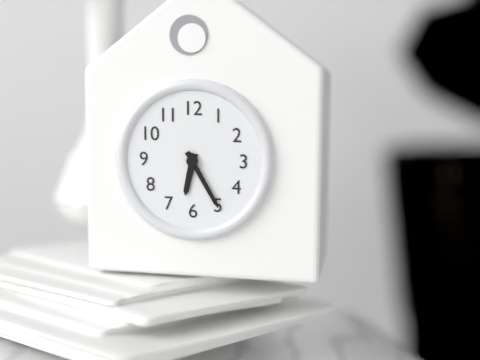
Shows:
{"hour": 6, "minute": 25}
